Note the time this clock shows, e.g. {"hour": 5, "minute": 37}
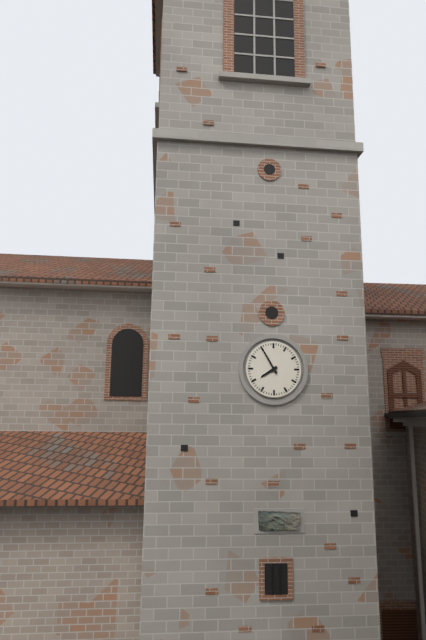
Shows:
{"hour": 7, "minute": 55}
